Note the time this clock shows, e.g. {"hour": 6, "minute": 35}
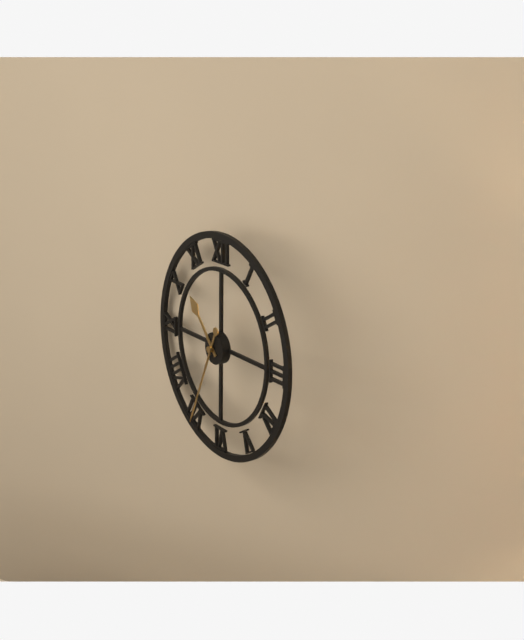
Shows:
{"hour": 10, "minute": 34}
